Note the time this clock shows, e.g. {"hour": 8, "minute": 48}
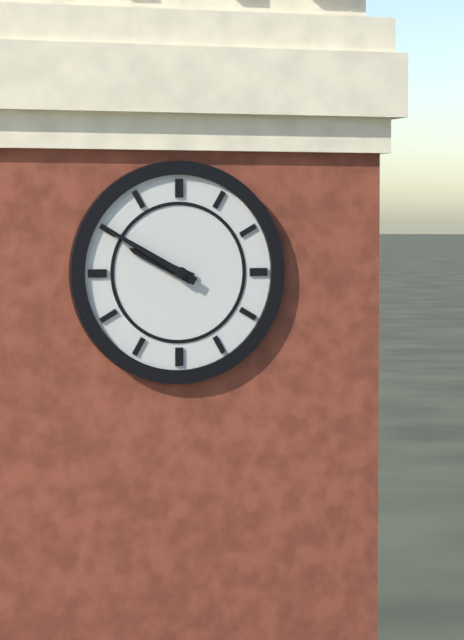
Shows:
{"hour": 9, "minute": 50}
